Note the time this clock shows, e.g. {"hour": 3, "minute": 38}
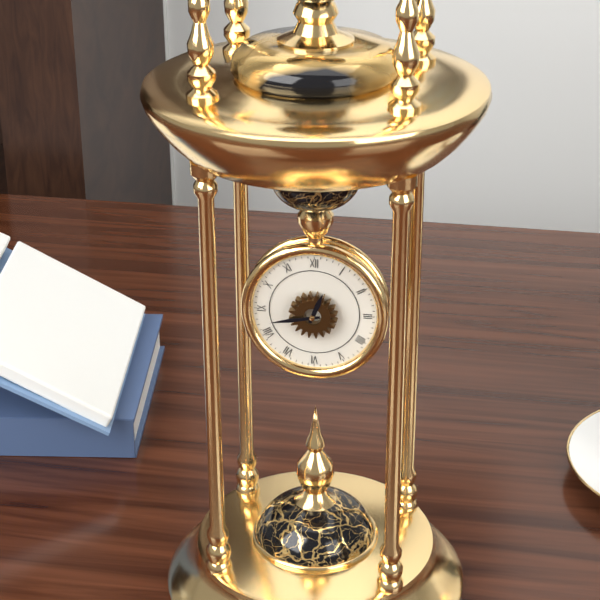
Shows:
{"hour": 12, "minute": 43}
